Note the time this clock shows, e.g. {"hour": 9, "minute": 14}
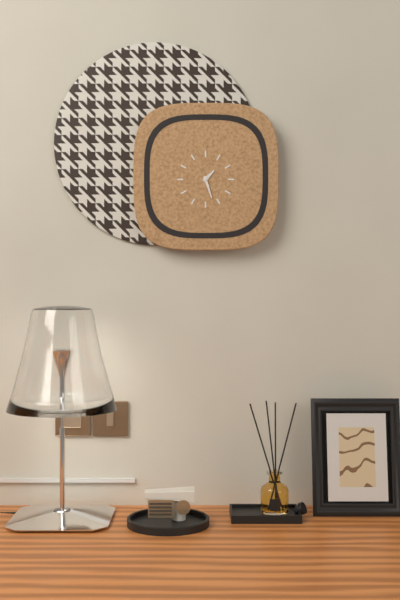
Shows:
{"hour": 1, "minute": 27}
